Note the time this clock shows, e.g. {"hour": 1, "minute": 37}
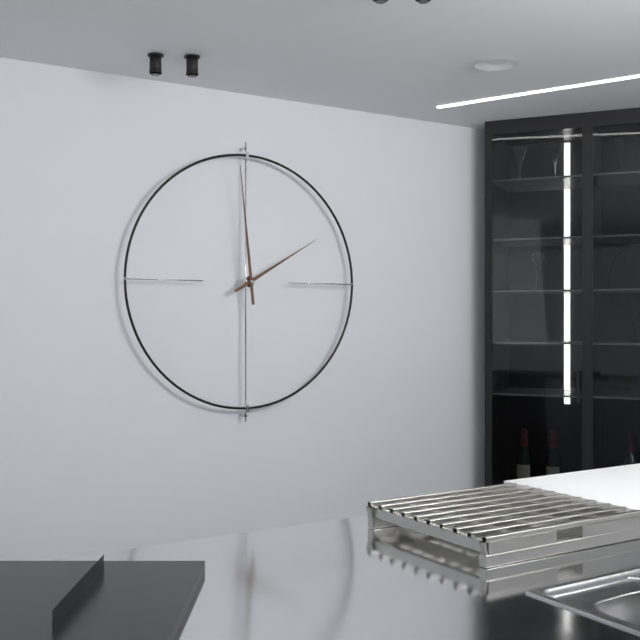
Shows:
{"hour": 1, "minute": 59}
